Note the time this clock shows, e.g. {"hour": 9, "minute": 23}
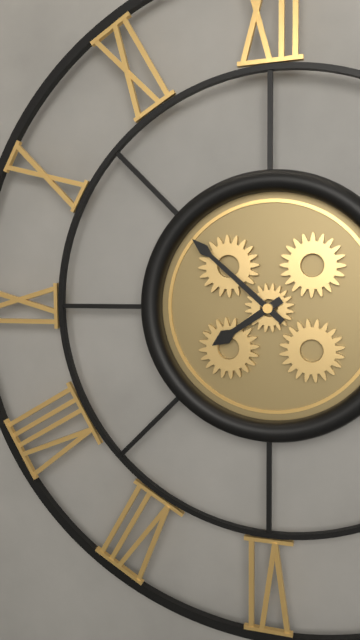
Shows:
{"hour": 7, "minute": 52}
